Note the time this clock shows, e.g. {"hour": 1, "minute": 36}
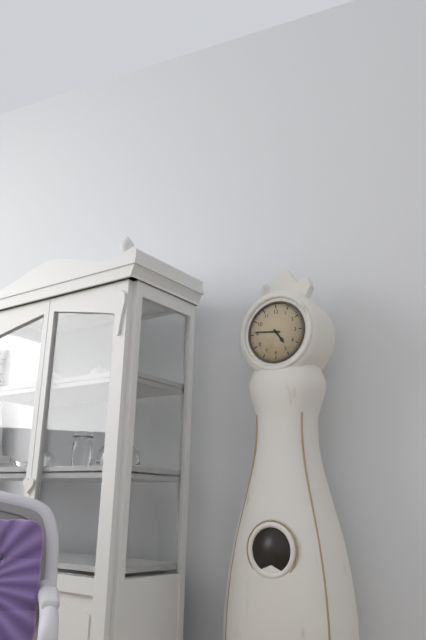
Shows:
{"hour": 4, "minute": 46}
